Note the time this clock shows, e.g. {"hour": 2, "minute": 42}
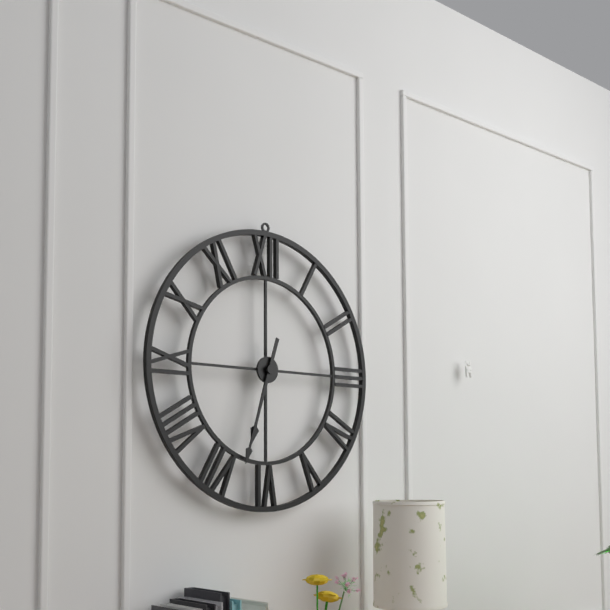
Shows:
{"hour": 6, "minute": 33}
